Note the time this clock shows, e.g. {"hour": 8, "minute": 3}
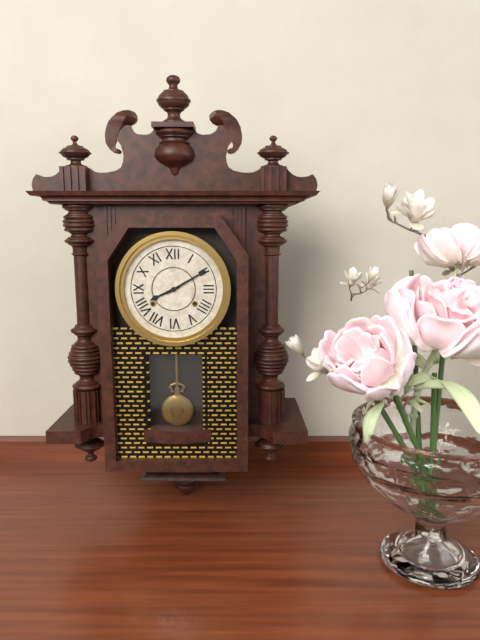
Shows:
{"hour": 8, "minute": 10}
